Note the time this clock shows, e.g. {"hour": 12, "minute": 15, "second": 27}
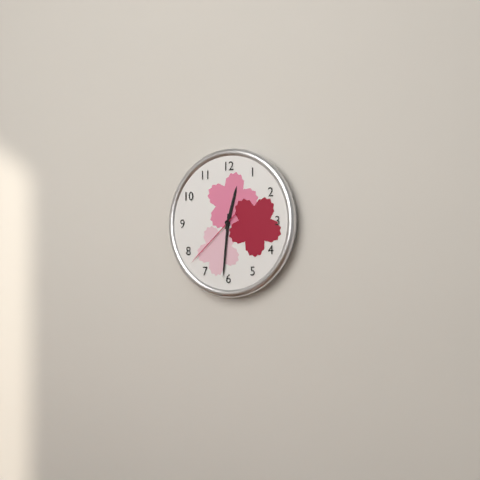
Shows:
{"hour": 12, "minute": 31, "second": 38}
